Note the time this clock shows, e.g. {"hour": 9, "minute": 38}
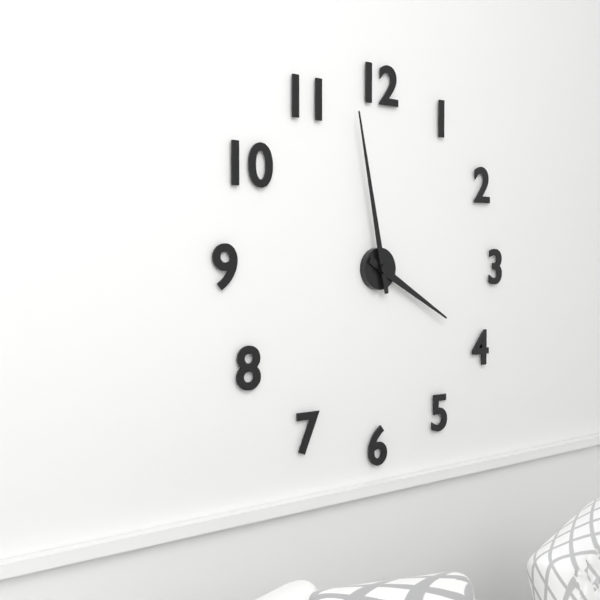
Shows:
{"hour": 3, "minute": 58}
